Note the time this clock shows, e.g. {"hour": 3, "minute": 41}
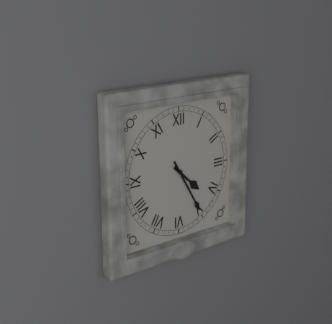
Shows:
{"hour": 4, "minute": 25}
